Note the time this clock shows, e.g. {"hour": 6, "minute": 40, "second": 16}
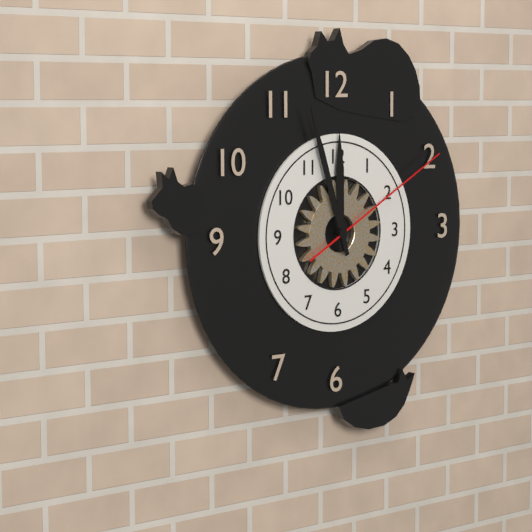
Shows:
{"hour": 11, "minute": 57, "second": 10}
